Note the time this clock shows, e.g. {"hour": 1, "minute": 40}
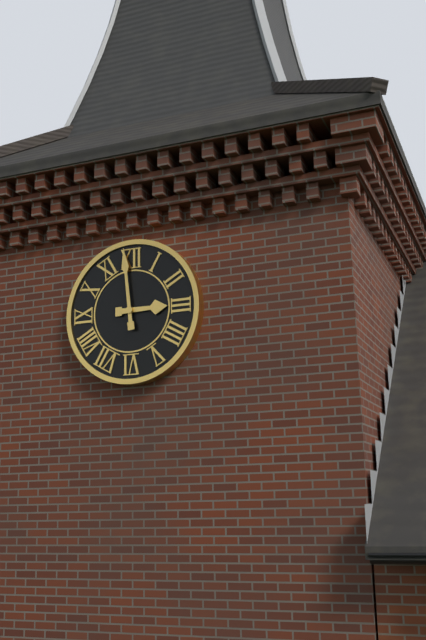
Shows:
{"hour": 2, "minute": 59}
